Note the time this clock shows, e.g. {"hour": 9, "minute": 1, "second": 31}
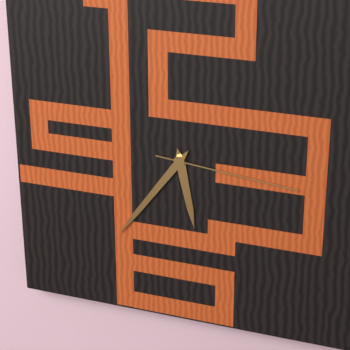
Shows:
{"hour": 5, "minute": 36, "second": 16}
